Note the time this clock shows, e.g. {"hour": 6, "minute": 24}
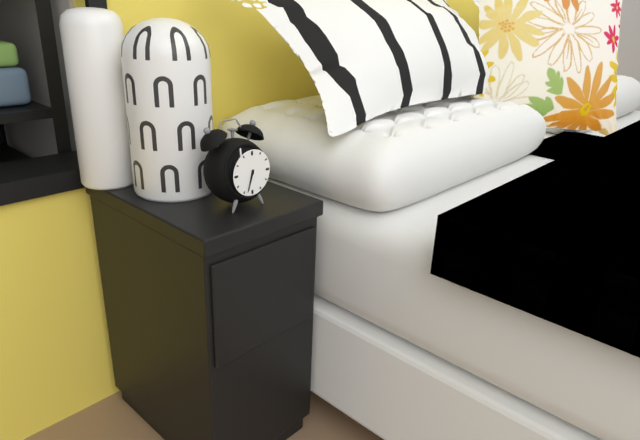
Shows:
{"hour": 6, "minute": 33}
